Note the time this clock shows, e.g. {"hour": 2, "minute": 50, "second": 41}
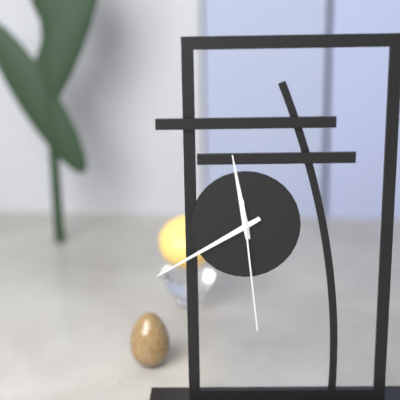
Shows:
{"hour": 11, "minute": 40, "second": 29}
